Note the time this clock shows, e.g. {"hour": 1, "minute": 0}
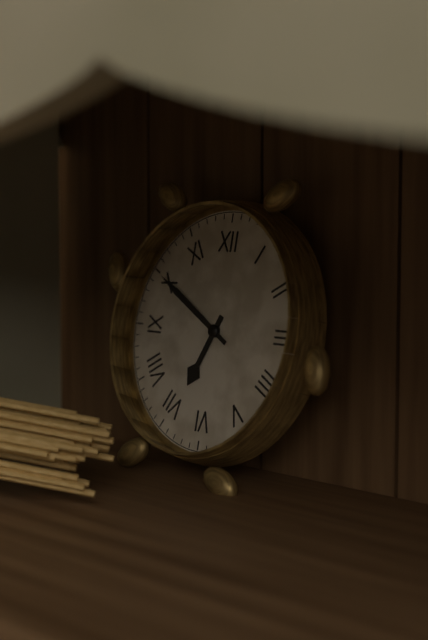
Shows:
{"hour": 6, "minute": 50}
